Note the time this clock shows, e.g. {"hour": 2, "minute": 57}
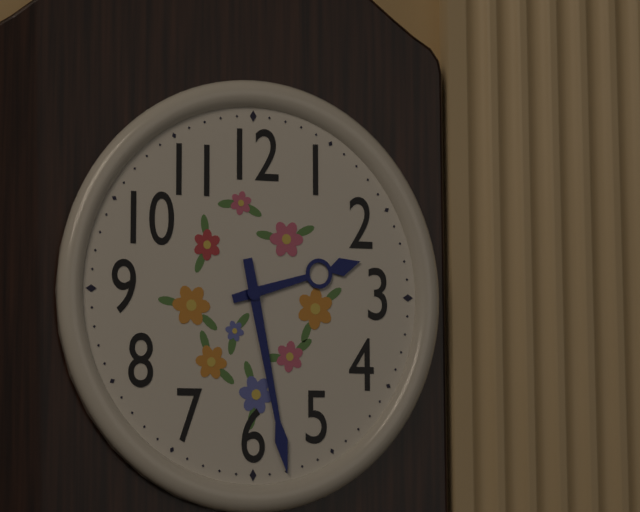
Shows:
{"hour": 2, "minute": 28}
